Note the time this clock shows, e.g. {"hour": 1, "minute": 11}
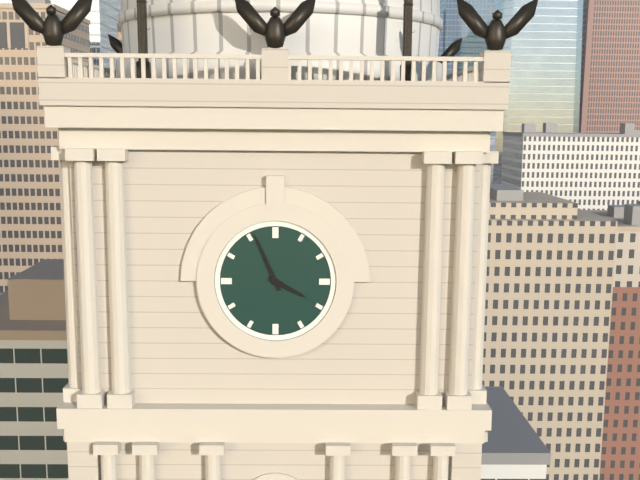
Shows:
{"hour": 3, "minute": 56}
